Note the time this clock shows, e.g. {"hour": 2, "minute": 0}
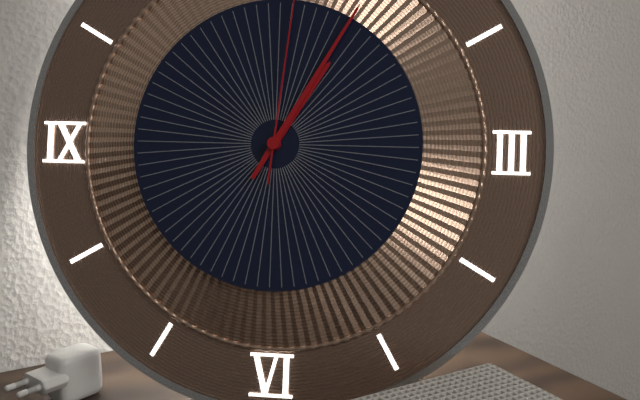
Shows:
{"hour": 1, "minute": 5}
